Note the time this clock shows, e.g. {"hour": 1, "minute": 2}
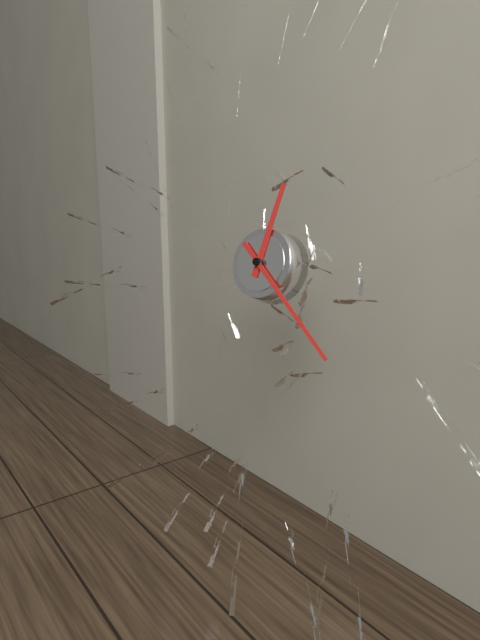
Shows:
{"hour": 12, "minute": 22}
